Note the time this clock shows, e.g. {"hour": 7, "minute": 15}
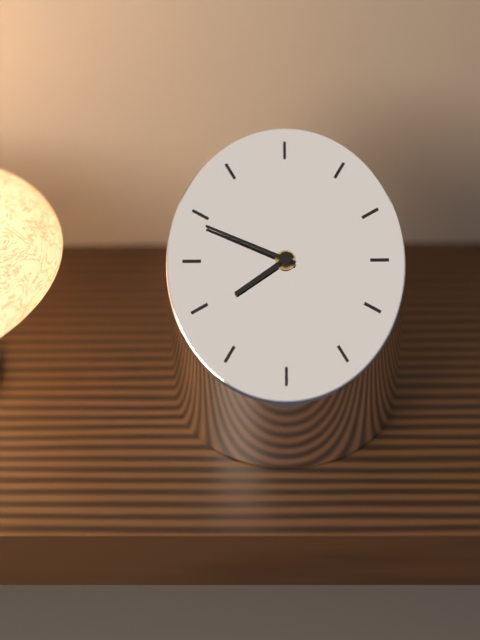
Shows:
{"hour": 7, "minute": 49}
